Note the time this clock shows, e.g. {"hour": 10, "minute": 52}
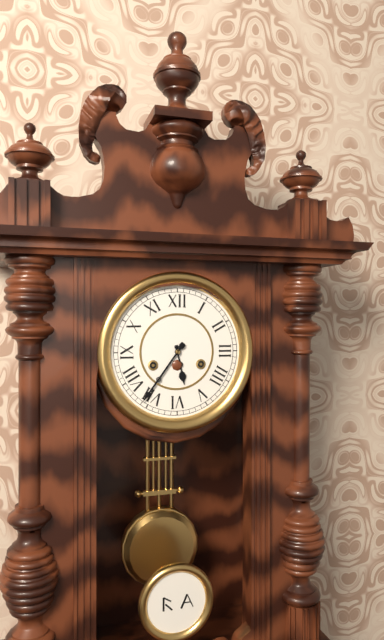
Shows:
{"hour": 5, "minute": 36}
